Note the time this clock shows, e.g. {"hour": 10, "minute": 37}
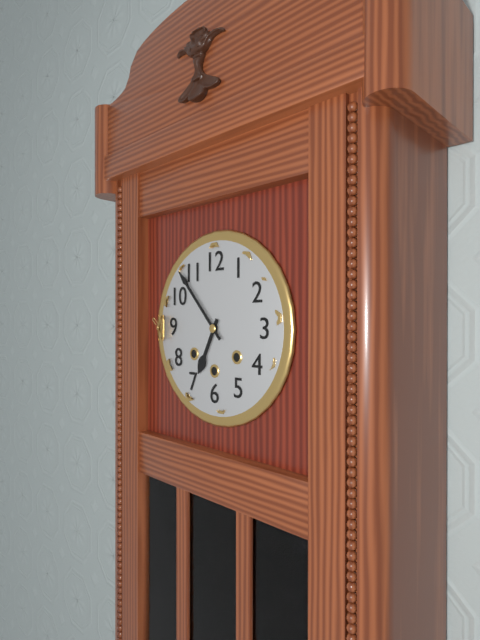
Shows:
{"hour": 6, "minute": 53}
